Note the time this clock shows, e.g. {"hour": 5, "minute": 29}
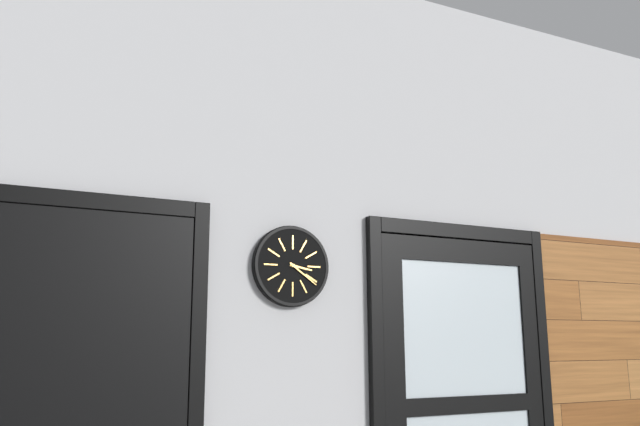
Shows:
{"hour": 3, "minute": 21}
